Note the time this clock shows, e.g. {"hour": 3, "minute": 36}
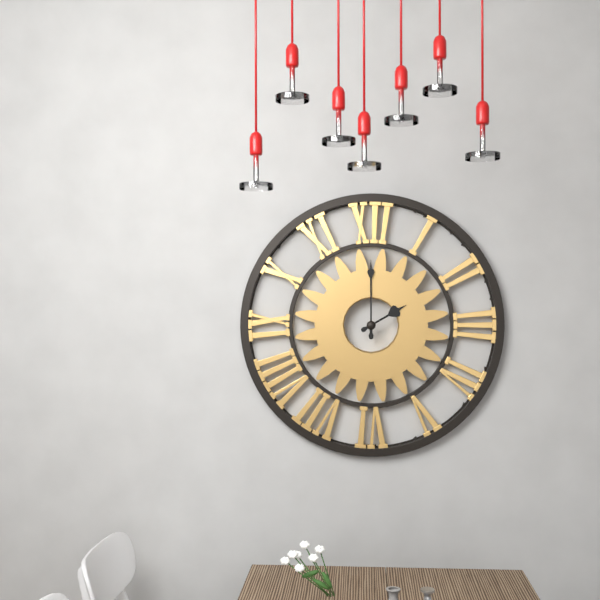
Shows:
{"hour": 2, "minute": 0}
